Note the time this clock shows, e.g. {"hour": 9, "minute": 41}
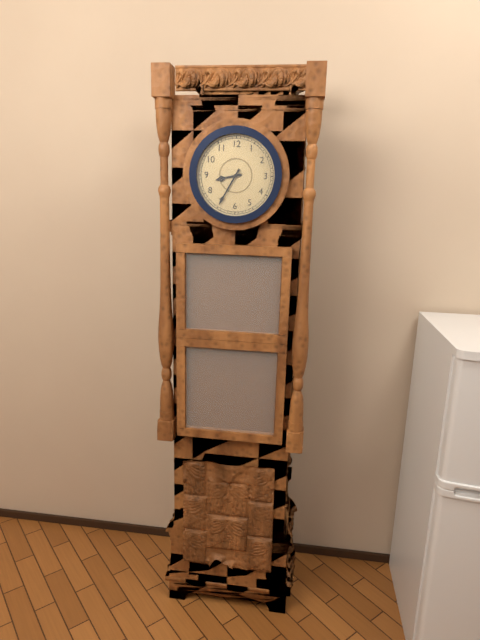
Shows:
{"hour": 8, "minute": 35}
